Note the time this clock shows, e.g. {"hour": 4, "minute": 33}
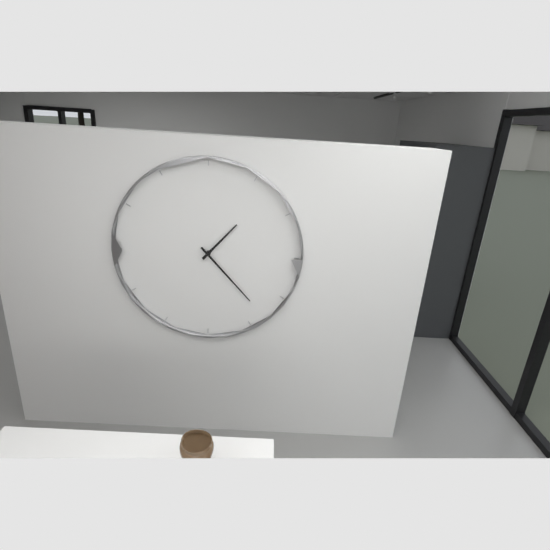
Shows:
{"hour": 1, "minute": 23}
